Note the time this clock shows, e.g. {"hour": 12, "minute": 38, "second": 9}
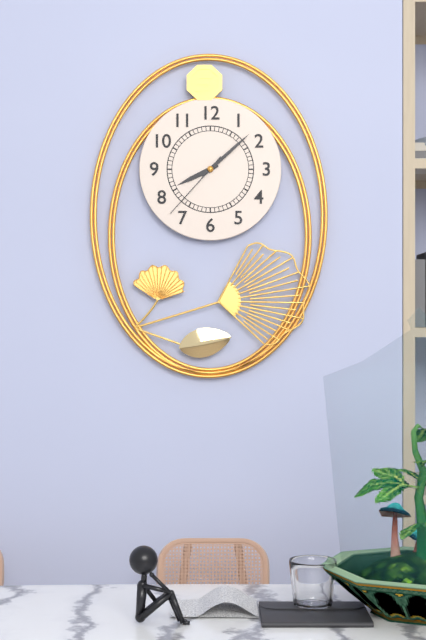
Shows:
{"hour": 8, "minute": 8, "second": 37}
